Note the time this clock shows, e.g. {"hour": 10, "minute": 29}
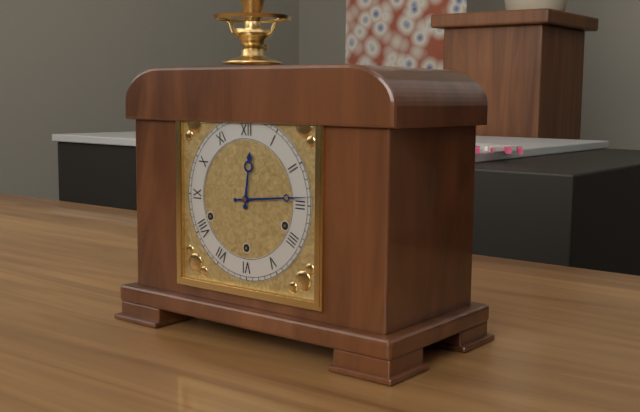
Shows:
{"hour": 12, "minute": 14}
